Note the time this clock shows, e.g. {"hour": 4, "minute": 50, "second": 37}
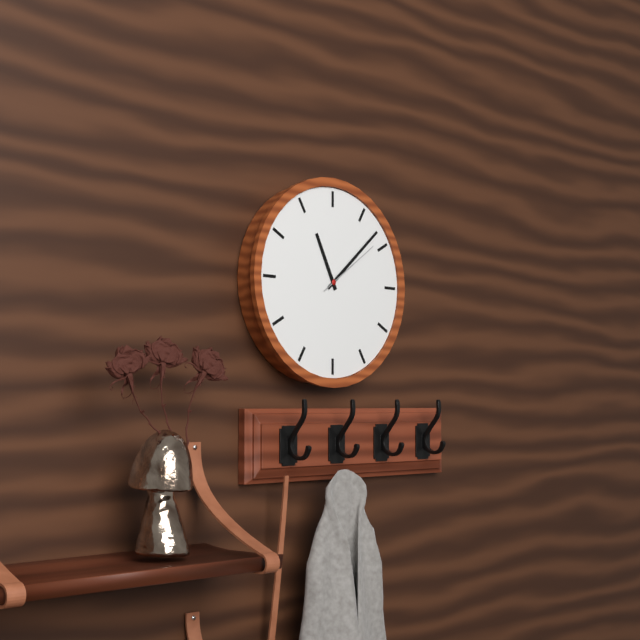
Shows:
{"hour": 11, "minute": 8, "second": 9}
